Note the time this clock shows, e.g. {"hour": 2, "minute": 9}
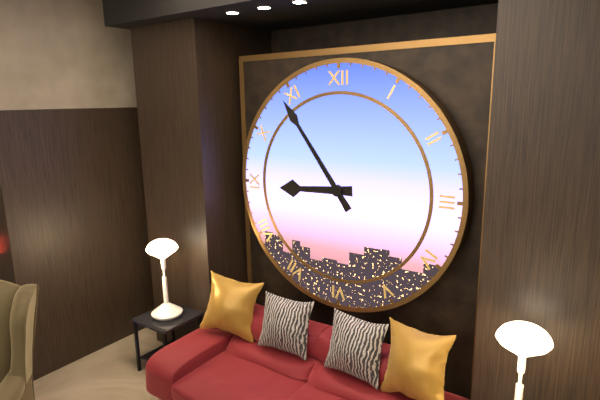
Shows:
{"hour": 8, "minute": 54}
